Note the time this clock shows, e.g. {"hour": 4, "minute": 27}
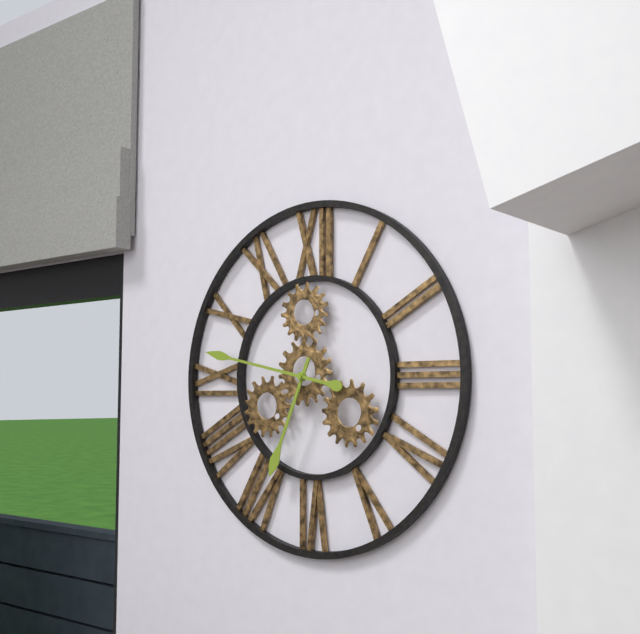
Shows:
{"hour": 6, "minute": 47}
